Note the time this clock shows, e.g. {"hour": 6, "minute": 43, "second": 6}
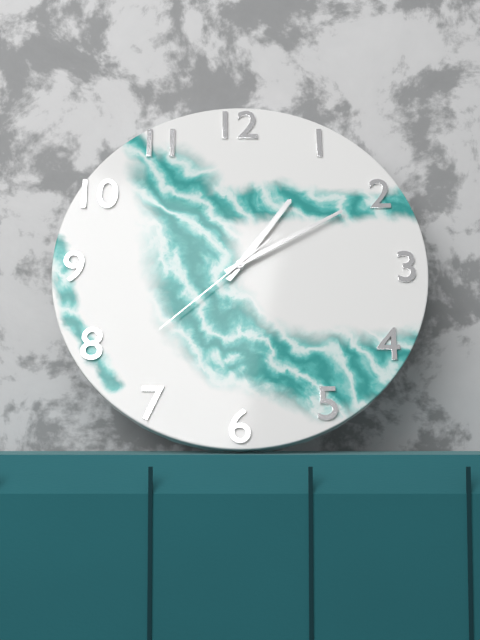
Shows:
{"hour": 1, "minute": 10, "second": 38}
